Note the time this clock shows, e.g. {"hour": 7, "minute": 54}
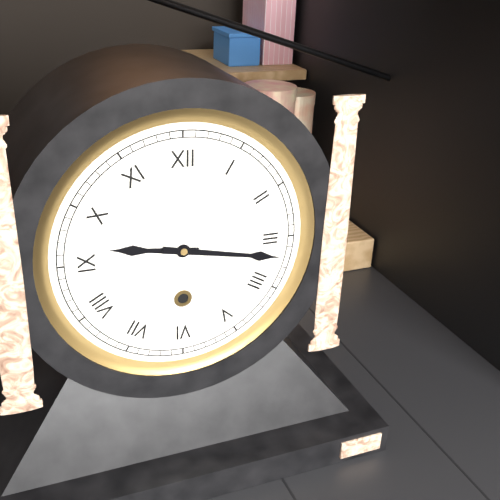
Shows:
{"hour": 9, "minute": 17}
